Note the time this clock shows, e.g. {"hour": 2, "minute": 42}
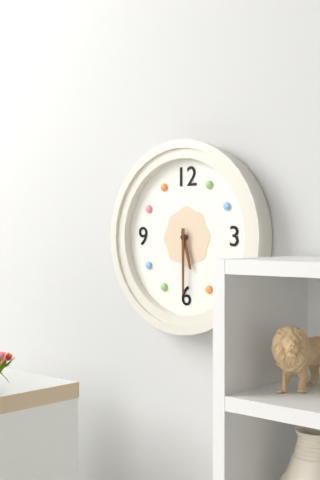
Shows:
{"hour": 5, "minute": 30}
